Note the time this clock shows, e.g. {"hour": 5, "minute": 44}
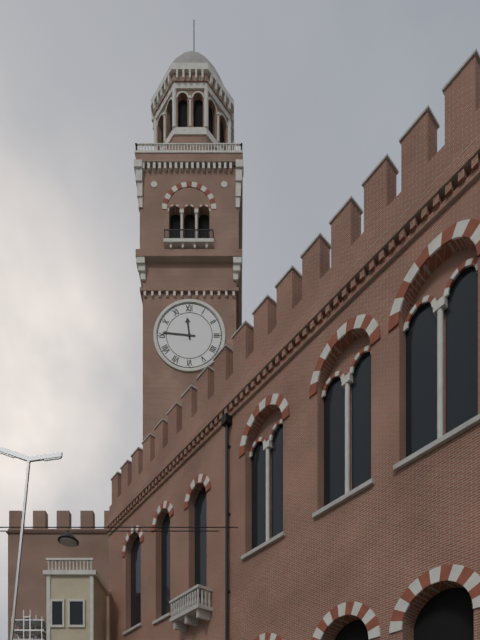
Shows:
{"hour": 11, "minute": 46}
